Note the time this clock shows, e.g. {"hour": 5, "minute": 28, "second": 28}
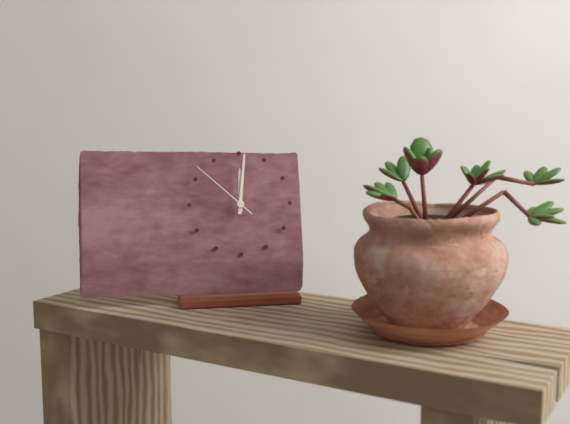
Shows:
{"hour": 12, "minute": 1, "second": 52}
